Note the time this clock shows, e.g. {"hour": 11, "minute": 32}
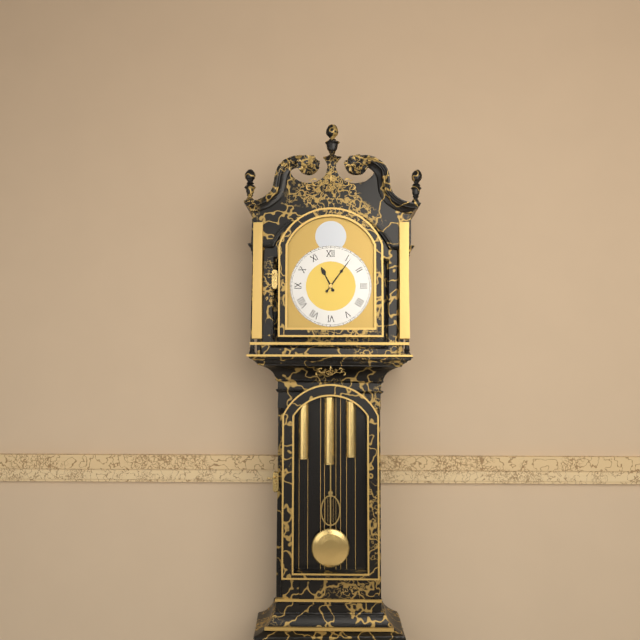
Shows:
{"hour": 11, "minute": 6}
